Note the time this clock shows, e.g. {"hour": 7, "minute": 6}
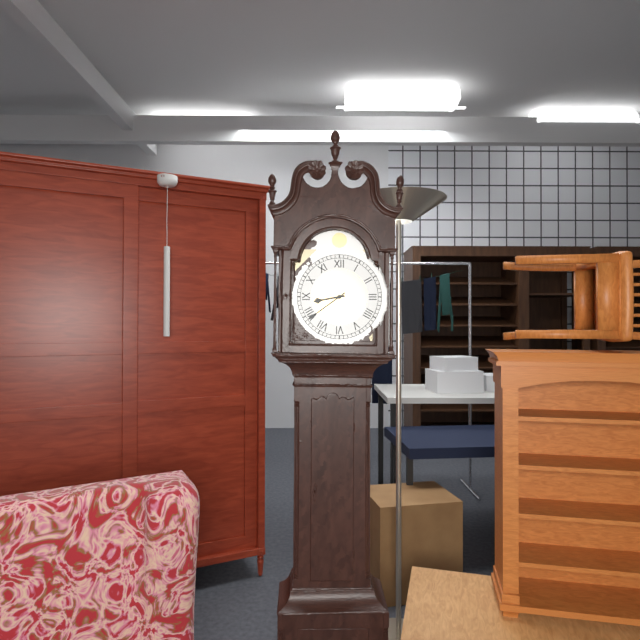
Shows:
{"hour": 8, "minute": 39}
